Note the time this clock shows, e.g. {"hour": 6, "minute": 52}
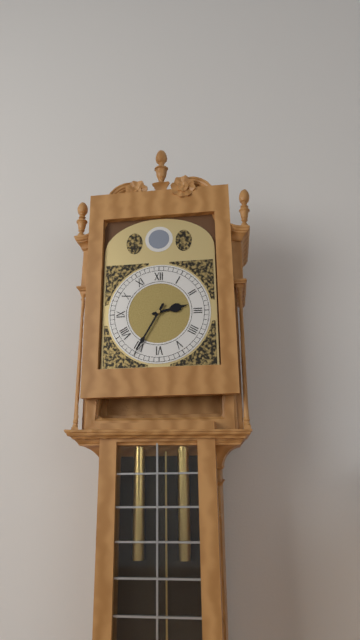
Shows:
{"hour": 2, "minute": 35}
